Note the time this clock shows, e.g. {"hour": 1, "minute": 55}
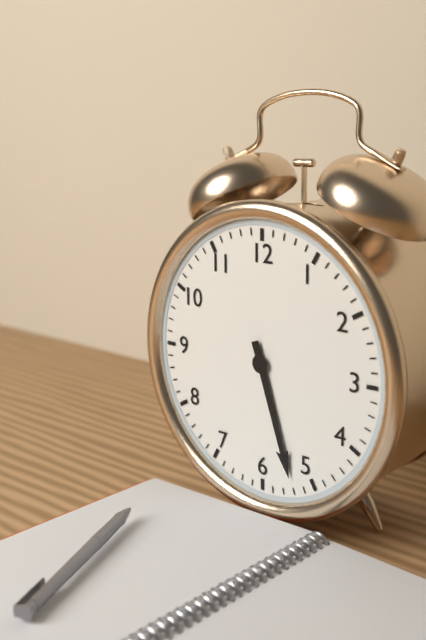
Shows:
{"hour": 5, "minute": 27}
